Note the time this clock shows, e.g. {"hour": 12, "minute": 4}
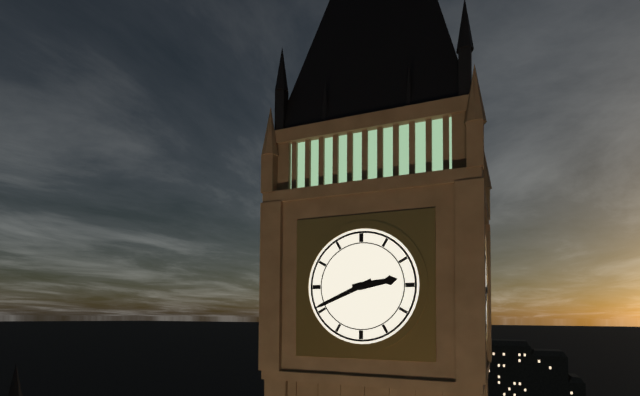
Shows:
{"hour": 2, "minute": 41}
